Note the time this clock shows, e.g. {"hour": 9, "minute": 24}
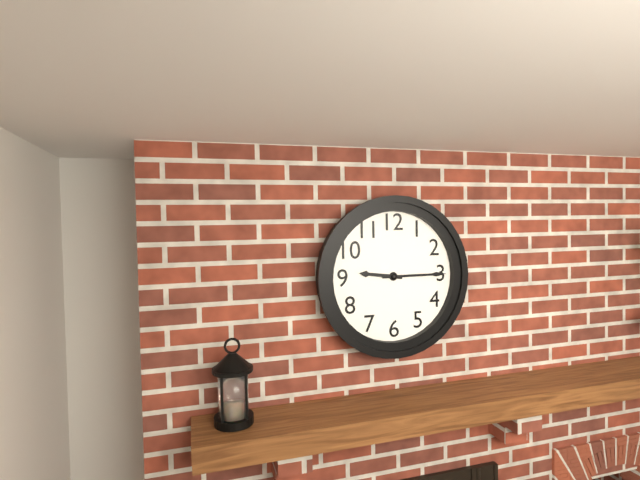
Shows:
{"hour": 9, "minute": 15}
